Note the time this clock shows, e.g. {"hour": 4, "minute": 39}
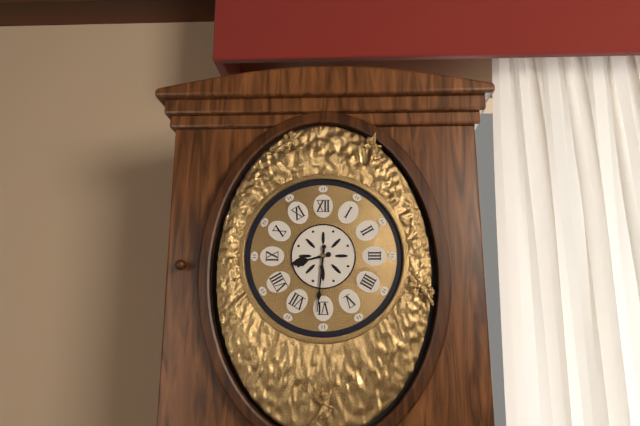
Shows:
{"hour": 8, "minute": 31}
